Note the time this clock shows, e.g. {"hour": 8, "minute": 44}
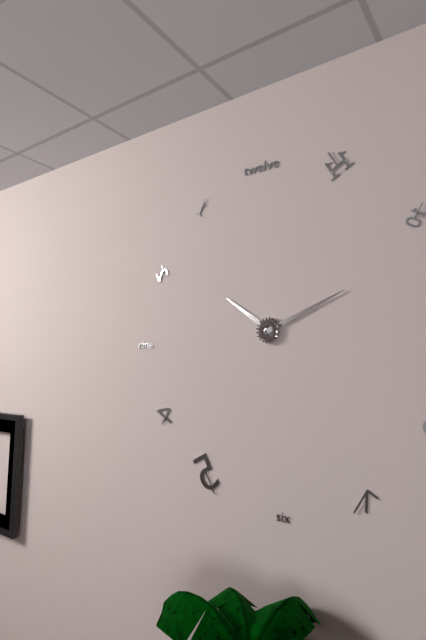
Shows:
{"hour": 10, "minute": 11}
